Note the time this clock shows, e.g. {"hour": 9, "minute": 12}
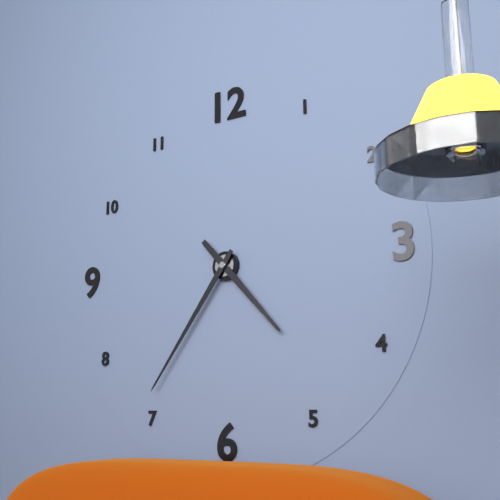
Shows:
{"hour": 4, "minute": 36}
